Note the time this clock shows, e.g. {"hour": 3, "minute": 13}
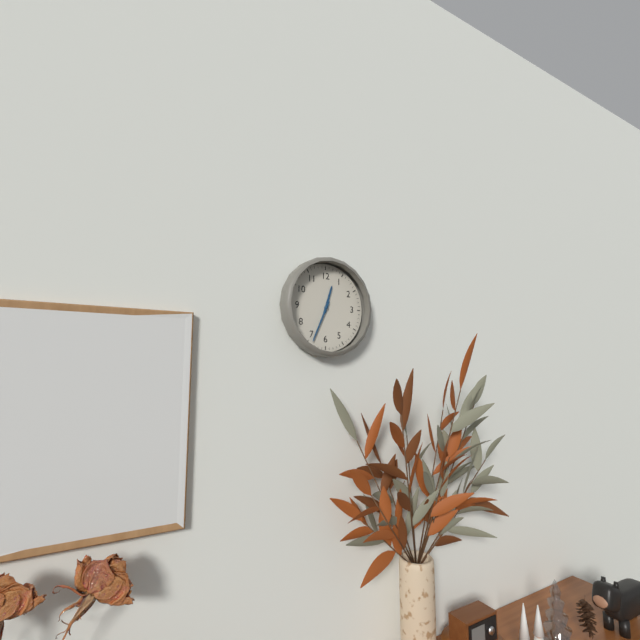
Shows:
{"hour": 12, "minute": 34}
